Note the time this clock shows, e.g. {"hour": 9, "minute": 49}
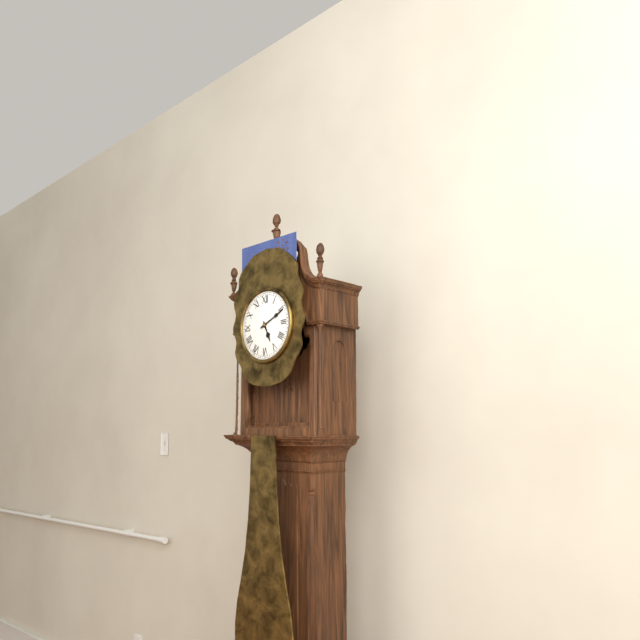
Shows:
{"hour": 5, "minute": 11}
